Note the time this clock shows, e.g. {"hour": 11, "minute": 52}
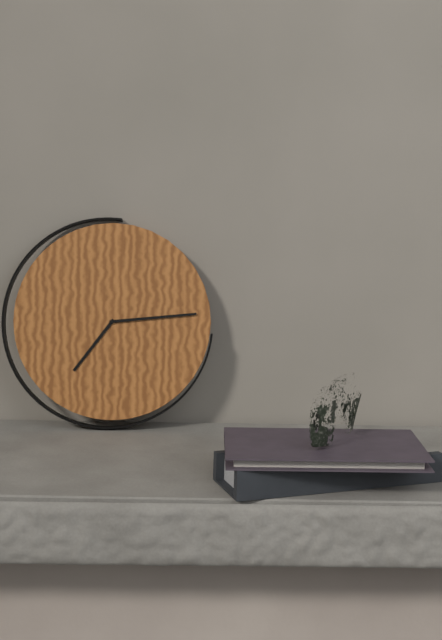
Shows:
{"hour": 7, "minute": 14}
